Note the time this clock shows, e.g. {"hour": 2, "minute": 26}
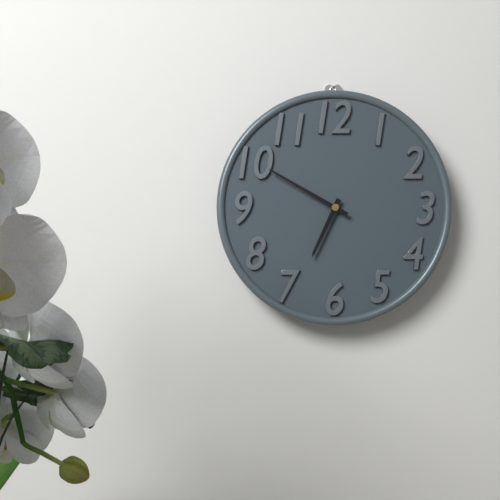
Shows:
{"hour": 6, "minute": 50}
